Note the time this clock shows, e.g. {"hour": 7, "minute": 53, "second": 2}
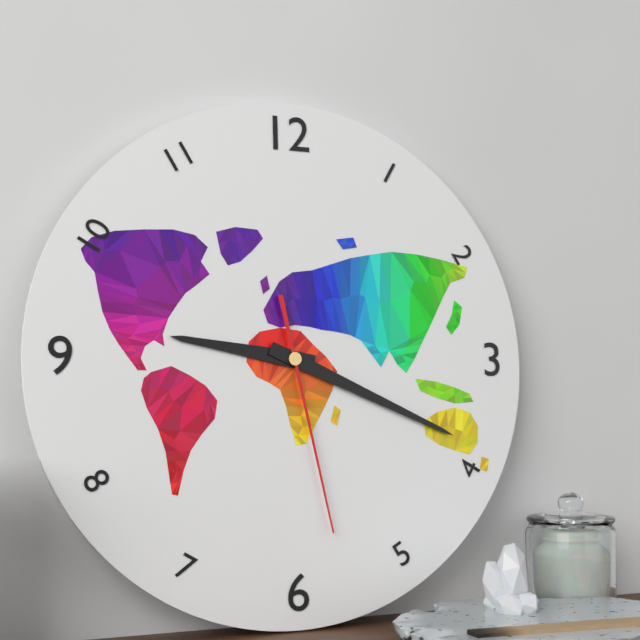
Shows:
{"hour": 9, "minute": 19, "second": 28}
